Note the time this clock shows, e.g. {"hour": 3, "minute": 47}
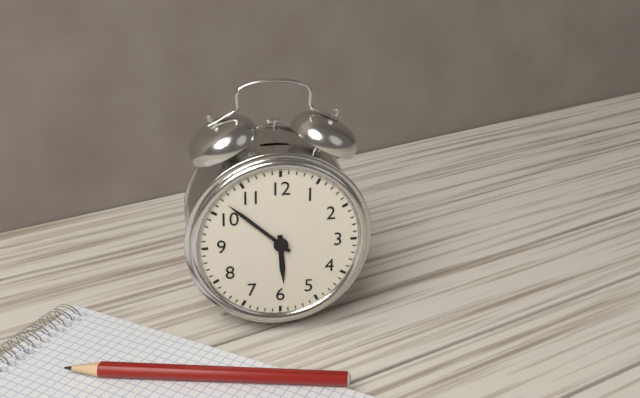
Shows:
{"hour": 5, "minute": 52}
